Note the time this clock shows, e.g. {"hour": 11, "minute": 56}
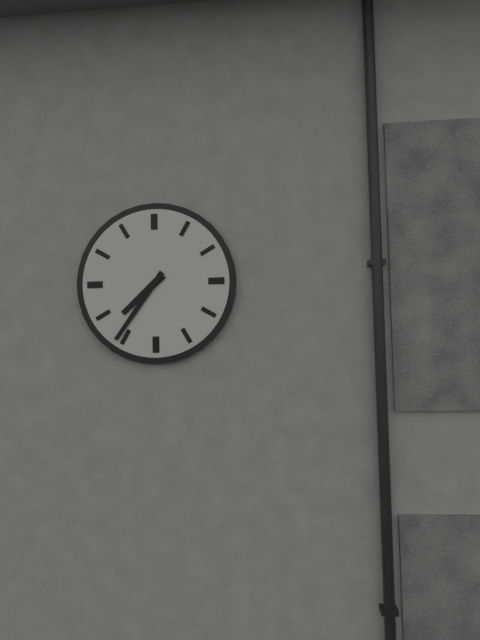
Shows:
{"hour": 7, "minute": 36}
